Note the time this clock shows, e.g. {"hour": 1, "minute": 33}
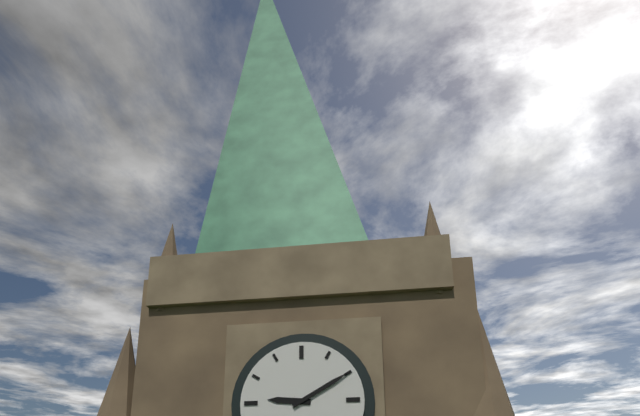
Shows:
{"hour": 9, "minute": 10}
